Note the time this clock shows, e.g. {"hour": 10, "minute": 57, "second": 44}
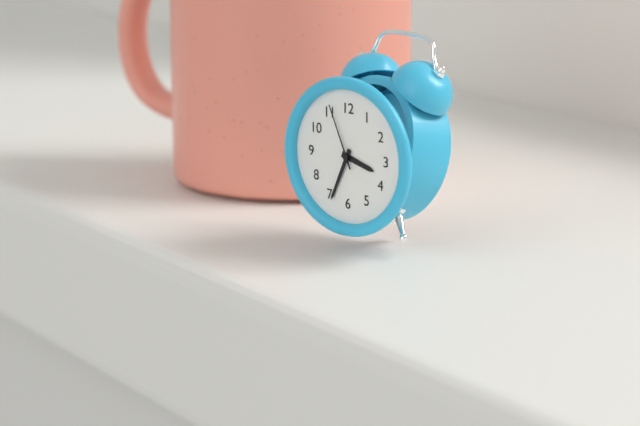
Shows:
{"hour": 3, "minute": 34, "second": 56}
